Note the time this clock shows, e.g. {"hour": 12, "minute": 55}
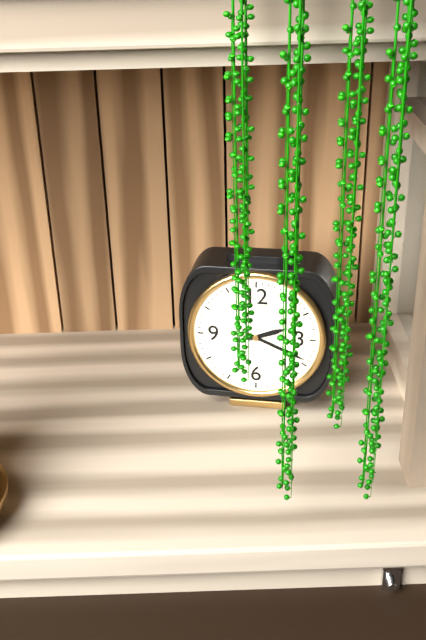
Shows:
{"hour": 2, "minute": 19}
